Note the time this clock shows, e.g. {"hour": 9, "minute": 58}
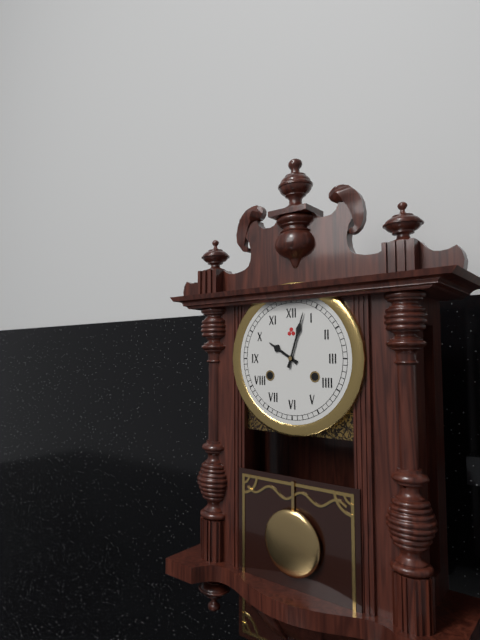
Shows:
{"hour": 10, "minute": 3}
